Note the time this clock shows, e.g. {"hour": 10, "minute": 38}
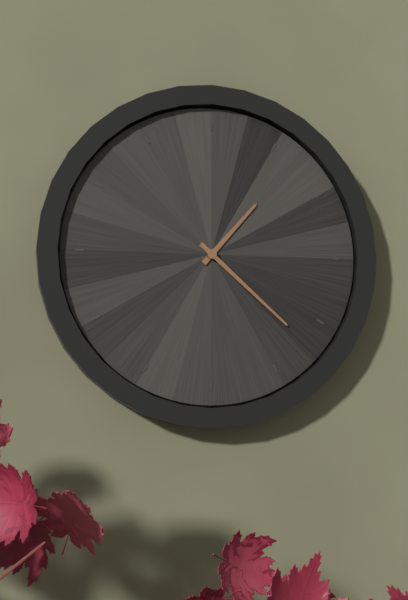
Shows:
{"hour": 1, "minute": 22}
